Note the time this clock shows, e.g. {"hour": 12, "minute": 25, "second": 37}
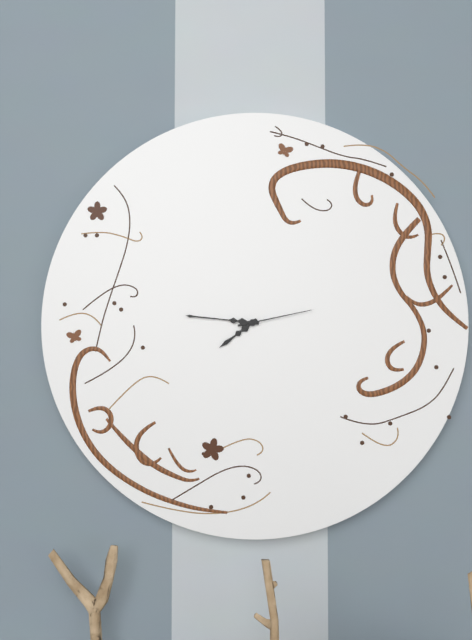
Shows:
{"hour": 7, "minute": 46, "second": 13}
